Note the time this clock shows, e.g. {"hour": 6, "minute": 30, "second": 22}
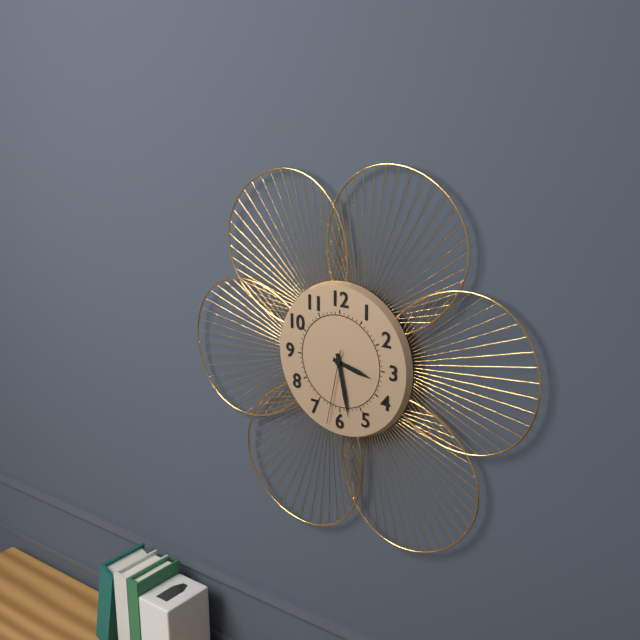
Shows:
{"hour": 3, "minute": 28, "second": 32}
